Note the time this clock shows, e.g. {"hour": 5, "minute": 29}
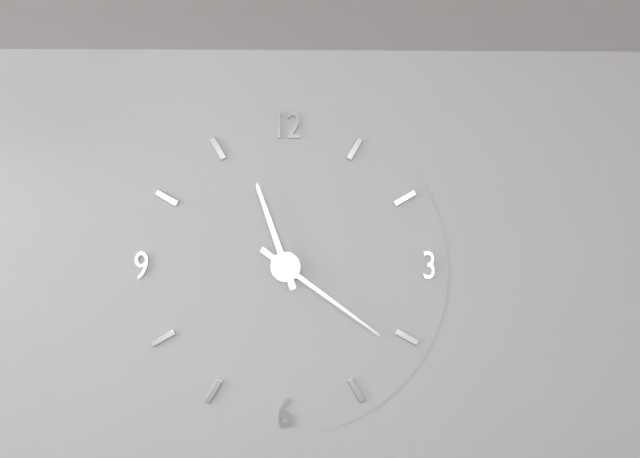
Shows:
{"hour": 11, "minute": 21}
